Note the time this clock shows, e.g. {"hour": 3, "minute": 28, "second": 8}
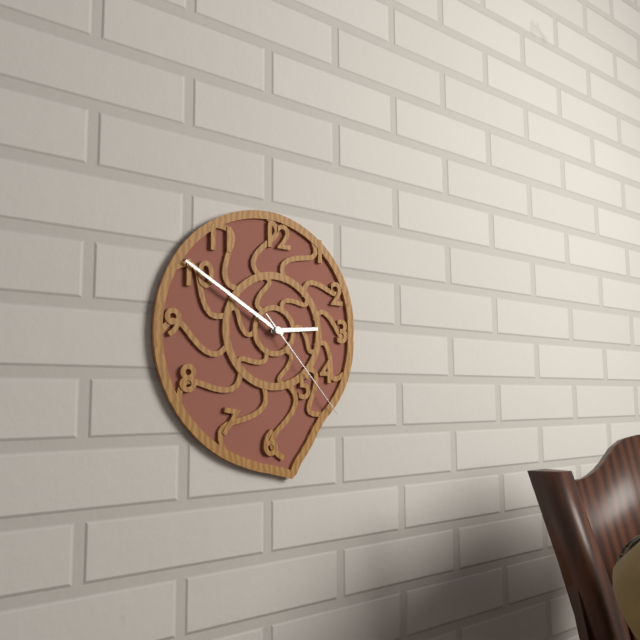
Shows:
{"hour": 2, "minute": 50, "second": 23}
